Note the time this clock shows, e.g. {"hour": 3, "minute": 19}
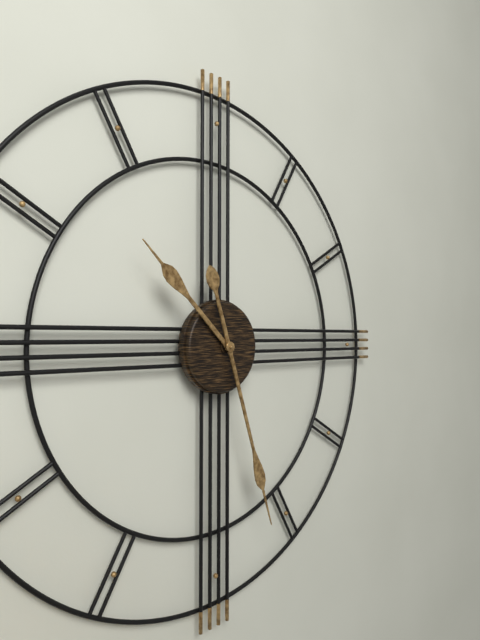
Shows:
{"hour": 10, "minute": 27}
